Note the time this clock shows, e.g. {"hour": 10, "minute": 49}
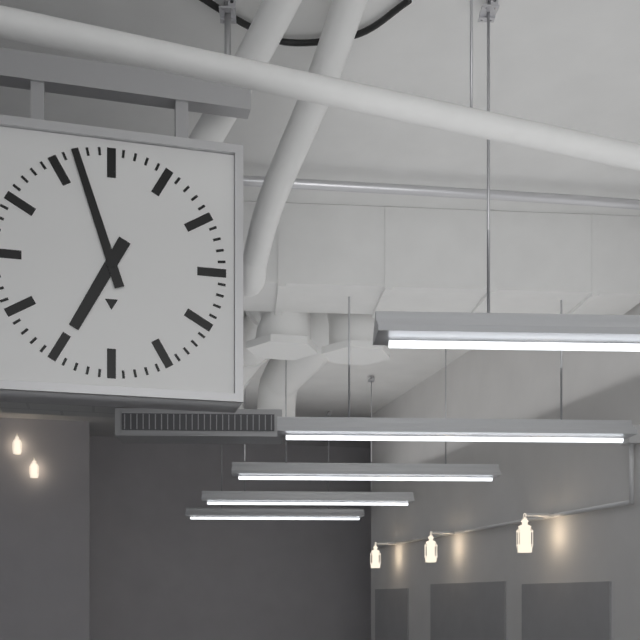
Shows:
{"hour": 6, "minute": 57}
